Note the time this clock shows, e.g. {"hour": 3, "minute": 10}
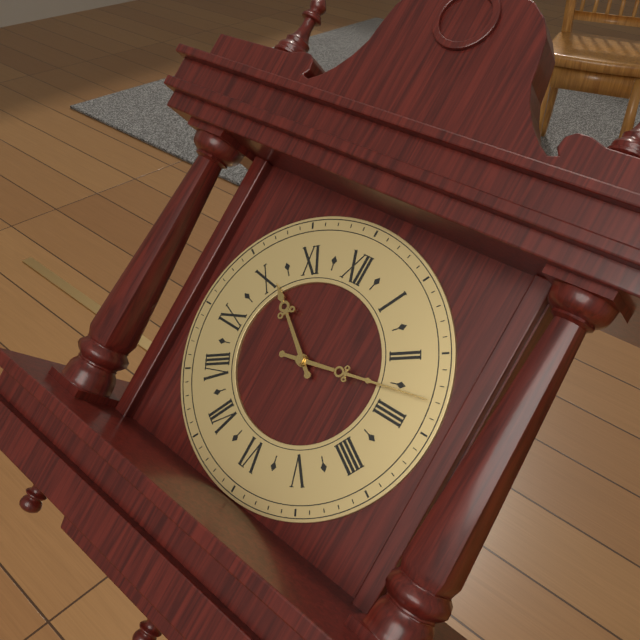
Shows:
{"hour": 10, "minute": 13}
